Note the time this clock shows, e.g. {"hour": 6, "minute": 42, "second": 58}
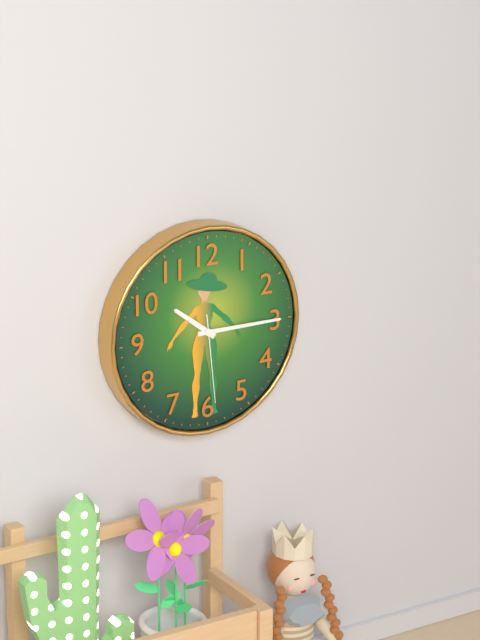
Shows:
{"hour": 10, "minute": 15, "second": 29}
